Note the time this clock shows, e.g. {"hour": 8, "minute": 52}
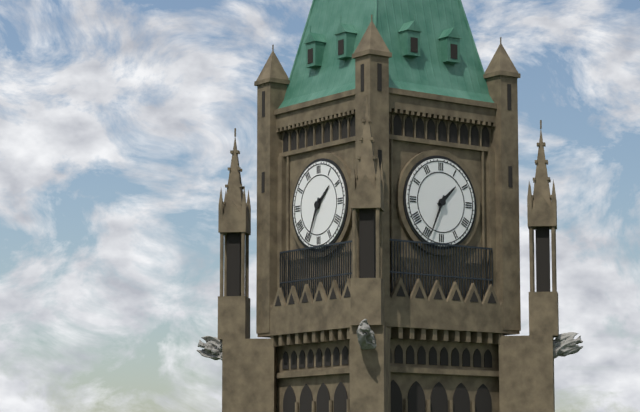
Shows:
{"hour": 1, "minute": 34}
